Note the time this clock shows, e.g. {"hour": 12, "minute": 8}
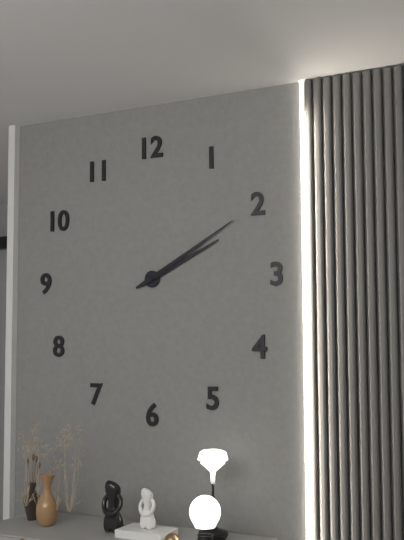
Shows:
{"hour": 2, "minute": 10}
